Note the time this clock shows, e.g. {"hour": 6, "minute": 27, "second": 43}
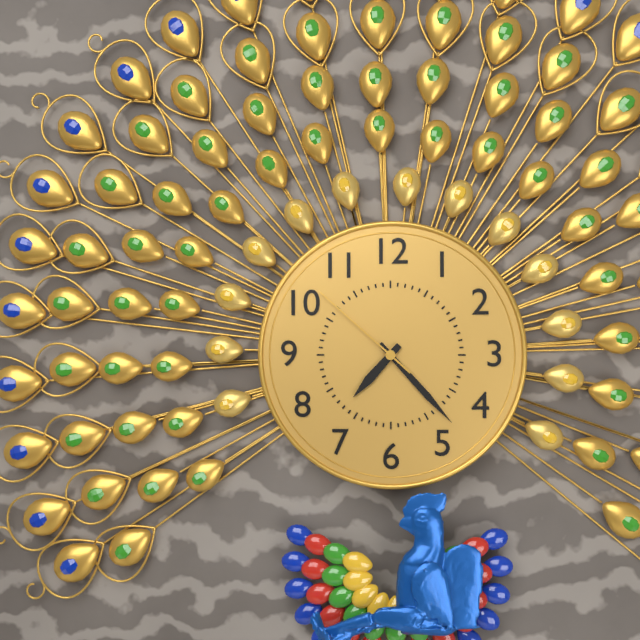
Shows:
{"hour": 7, "minute": 23, "second": 52}
